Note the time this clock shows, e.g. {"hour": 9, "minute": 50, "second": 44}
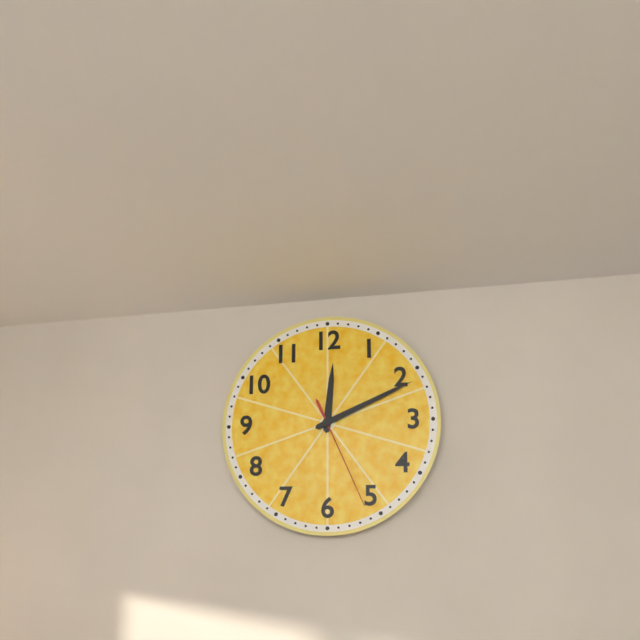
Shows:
{"hour": 12, "minute": 11, "second": 26}
